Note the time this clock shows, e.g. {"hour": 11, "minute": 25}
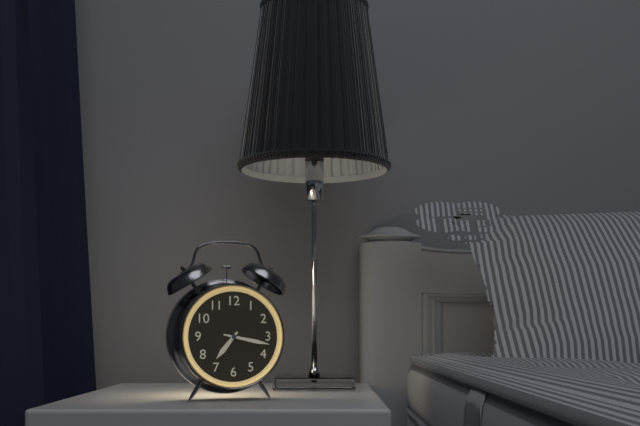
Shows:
{"hour": 7, "minute": 17}
